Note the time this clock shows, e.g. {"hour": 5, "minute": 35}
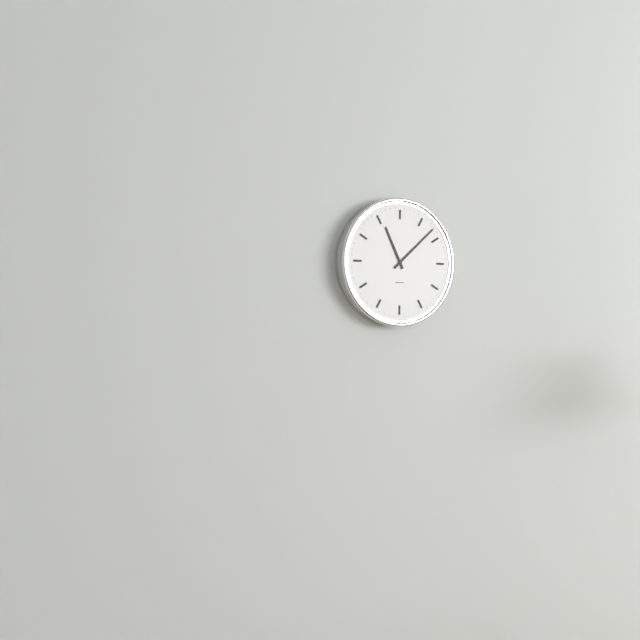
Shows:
{"hour": 11, "minute": 8}
